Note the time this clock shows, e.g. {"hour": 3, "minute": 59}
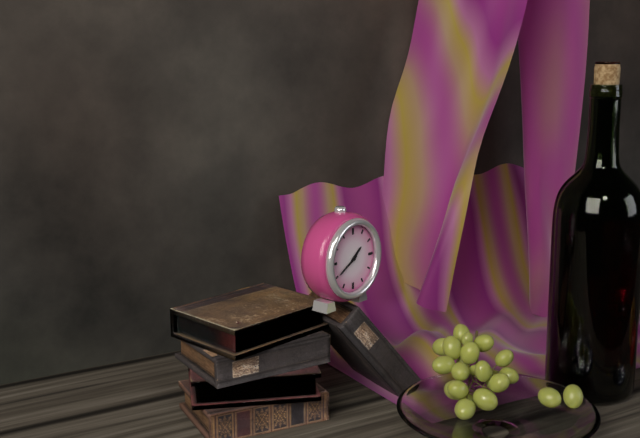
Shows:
{"hour": 1, "minute": 40}
